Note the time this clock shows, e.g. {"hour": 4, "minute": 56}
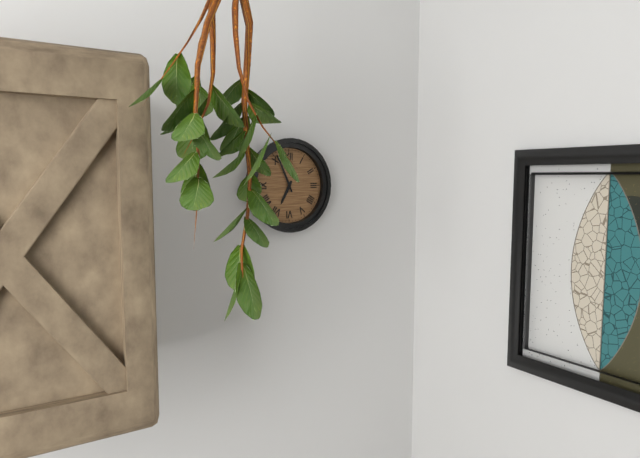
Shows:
{"hour": 6, "minute": 56}
